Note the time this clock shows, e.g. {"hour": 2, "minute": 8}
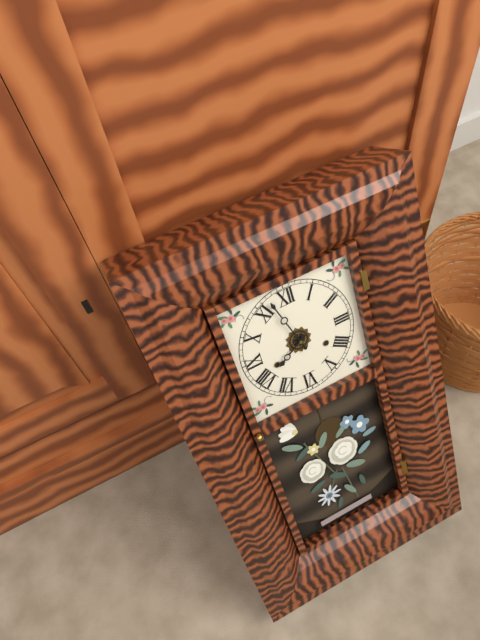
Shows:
{"hour": 7, "minute": 57}
